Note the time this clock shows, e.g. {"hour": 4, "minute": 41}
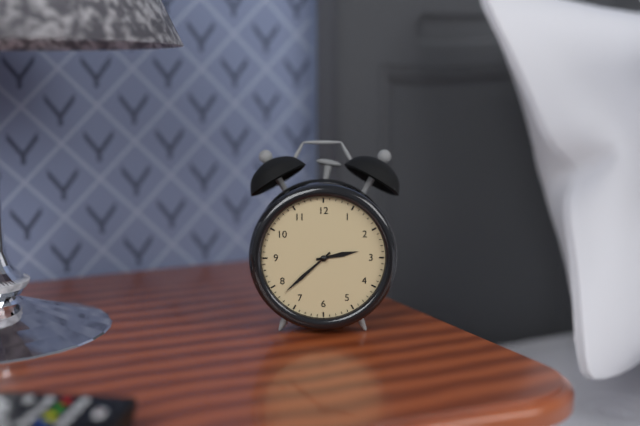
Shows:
{"hour": 2, "minute": 38}
